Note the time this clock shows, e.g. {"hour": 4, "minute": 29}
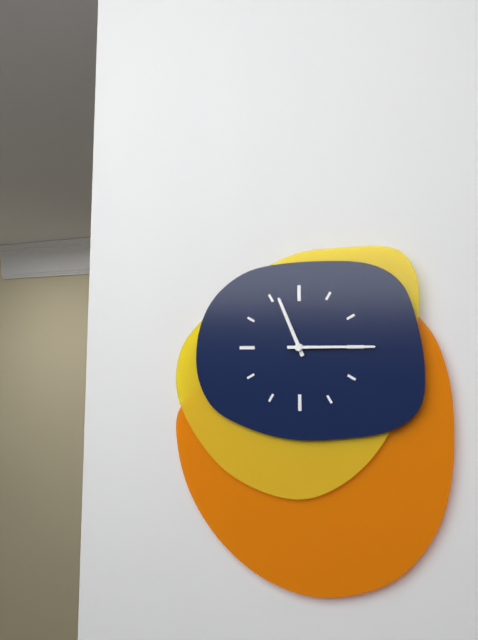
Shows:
{"hour": 11, "minute": 15}
